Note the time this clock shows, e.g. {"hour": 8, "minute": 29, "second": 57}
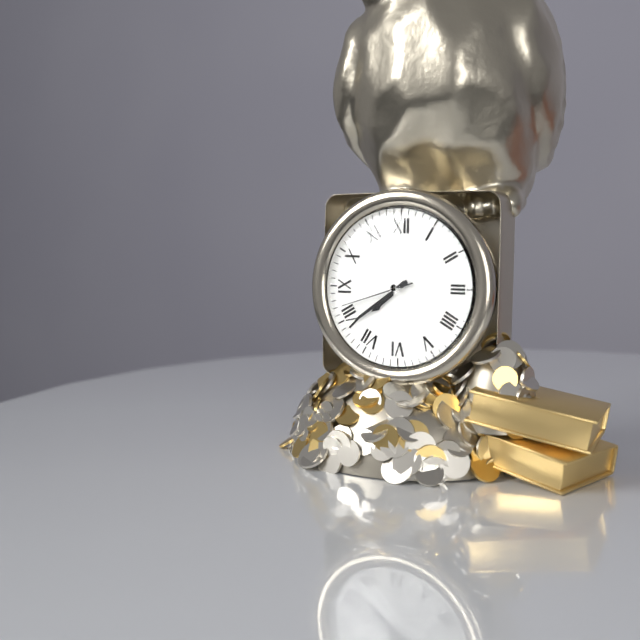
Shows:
{"hour": 7, "minute": 39, "second": 42}
